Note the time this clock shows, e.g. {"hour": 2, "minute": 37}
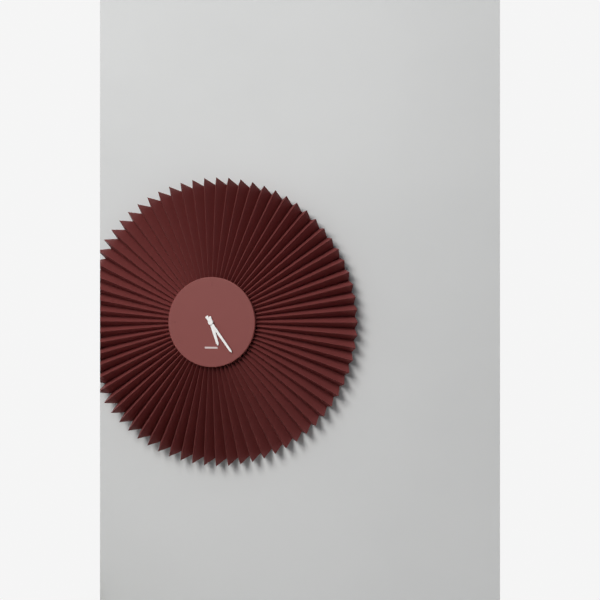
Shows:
{"hour": 5, "minute": 24}
